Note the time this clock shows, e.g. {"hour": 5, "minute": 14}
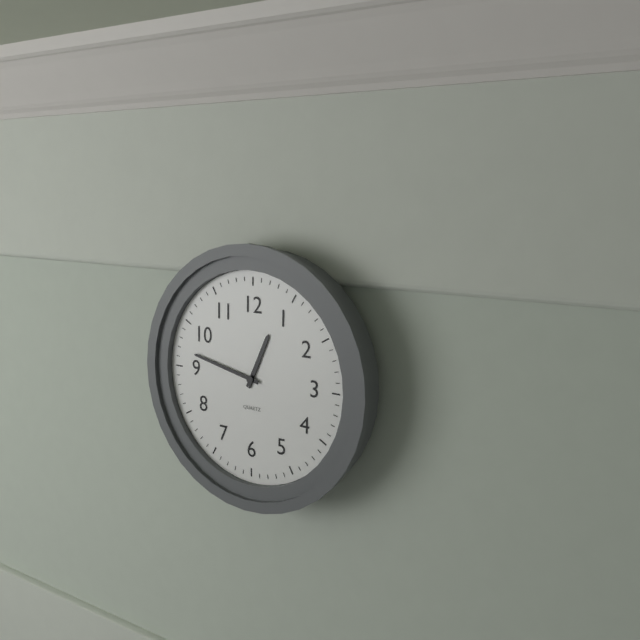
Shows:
{"hour": 12, "minute": 47}
